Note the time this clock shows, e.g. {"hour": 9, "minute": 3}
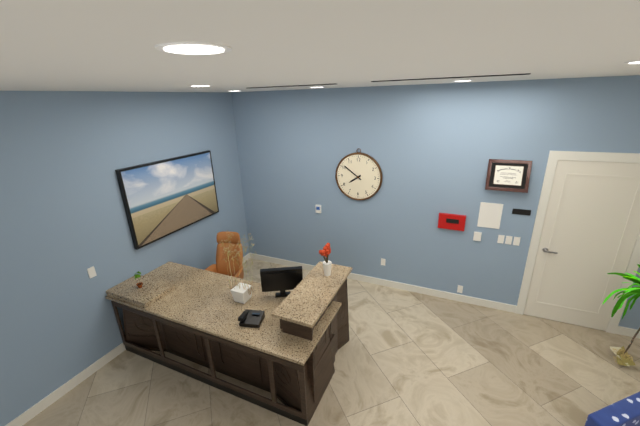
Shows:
{"hour": 7, "minute": 51}
